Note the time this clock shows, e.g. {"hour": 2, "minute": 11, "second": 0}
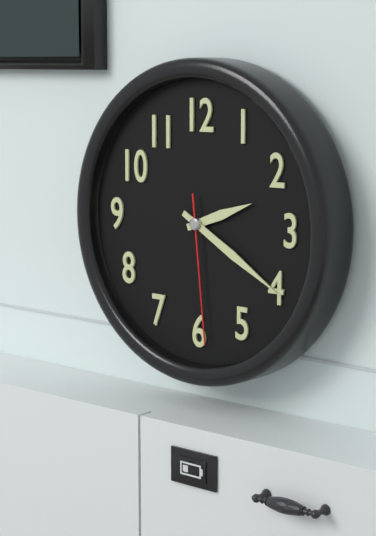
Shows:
{"hour": 2, "minute": 20, "second": 29}
